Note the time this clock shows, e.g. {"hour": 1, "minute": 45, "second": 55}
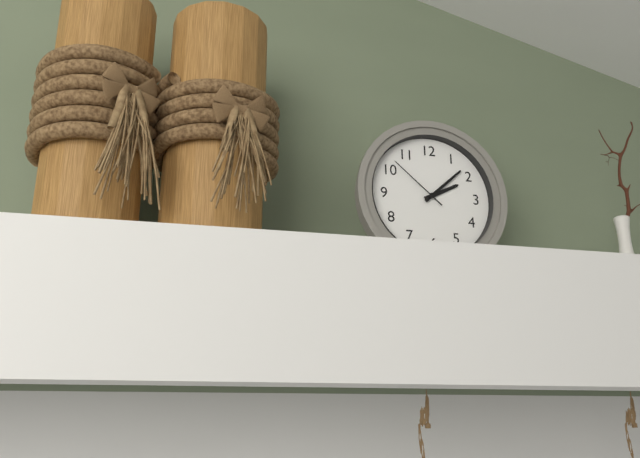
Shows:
{"hour": 2, "minute": 8, "second": 52}
